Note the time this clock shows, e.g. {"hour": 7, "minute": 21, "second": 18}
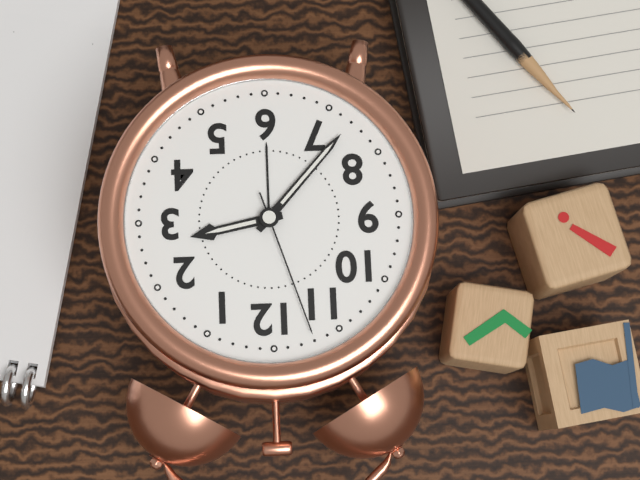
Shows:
{"hour": 2, "minute": 37, "second": 57}
